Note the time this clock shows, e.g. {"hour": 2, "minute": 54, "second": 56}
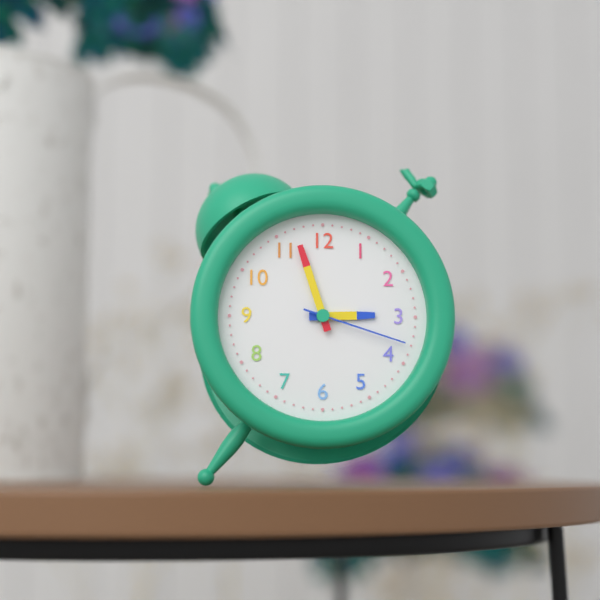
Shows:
{"hour": 2, "minute": 57, "second": 18}
